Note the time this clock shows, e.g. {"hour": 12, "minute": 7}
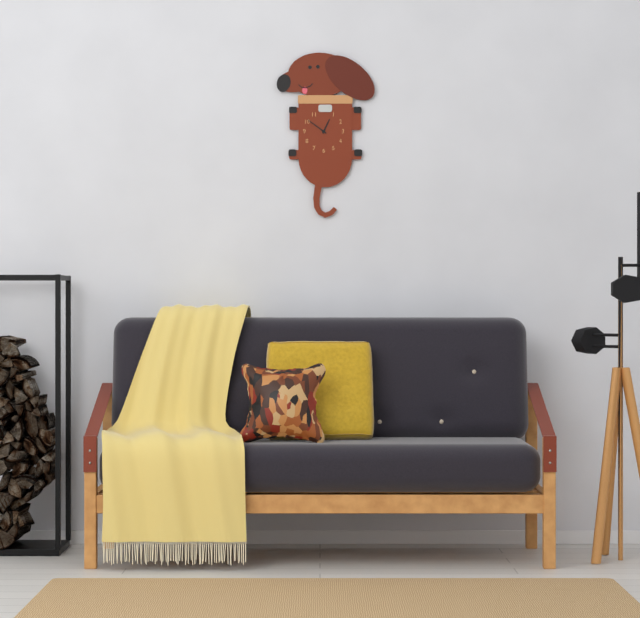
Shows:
{"hour": 12, "minute": 51}
